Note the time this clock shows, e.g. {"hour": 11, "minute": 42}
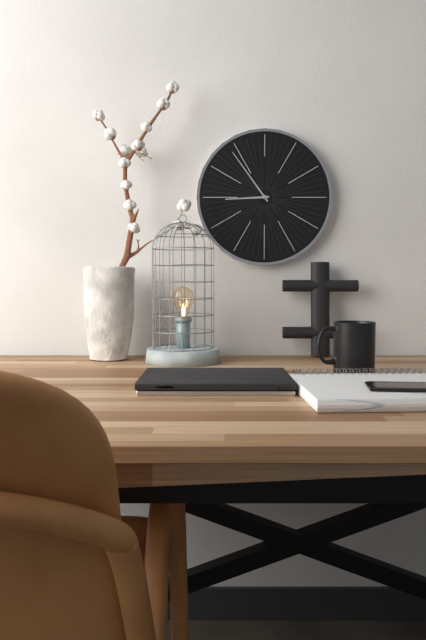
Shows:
{"hour": 8, "minute": 54}
